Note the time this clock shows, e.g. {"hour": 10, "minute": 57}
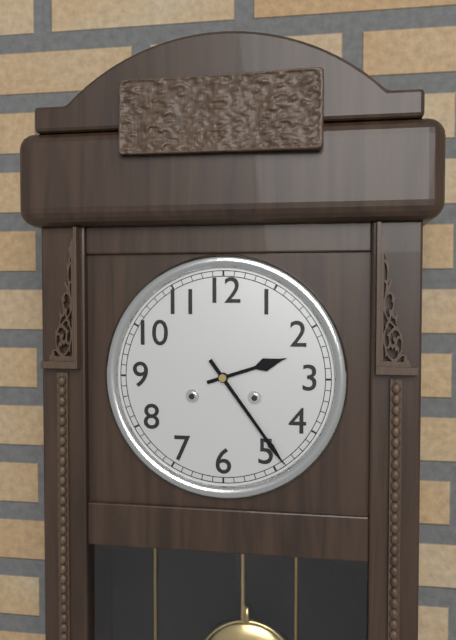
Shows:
{"hour": 2, "minute": 24}
